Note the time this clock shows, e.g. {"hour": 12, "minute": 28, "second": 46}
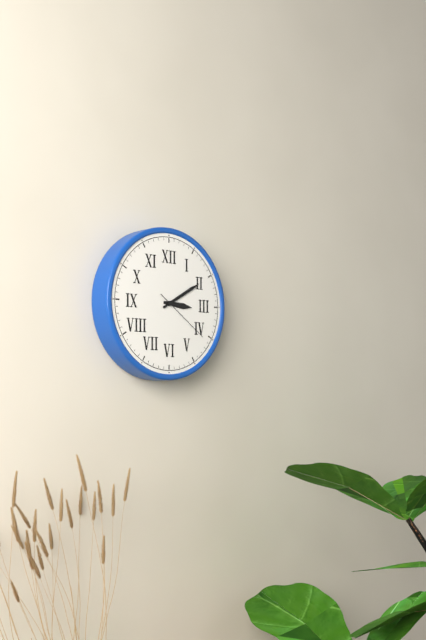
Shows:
{"hour": 3, "minute": 10, "second": 21}
